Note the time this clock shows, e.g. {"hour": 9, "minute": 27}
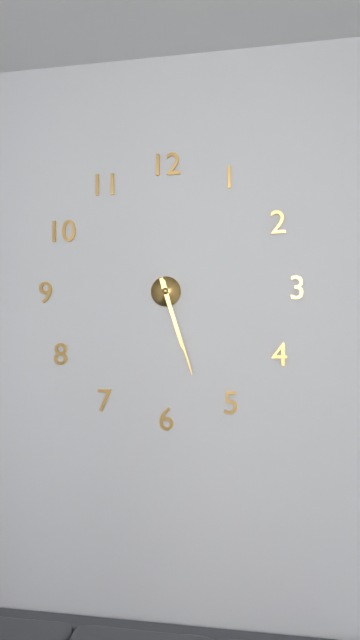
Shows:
{"hour": 5, "minute": 27}
